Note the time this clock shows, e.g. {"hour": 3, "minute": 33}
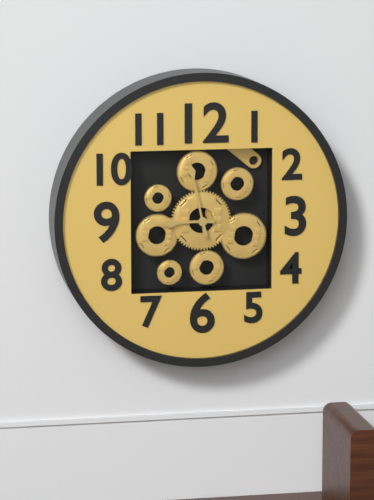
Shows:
{"hour": 8, "minute": 58}
